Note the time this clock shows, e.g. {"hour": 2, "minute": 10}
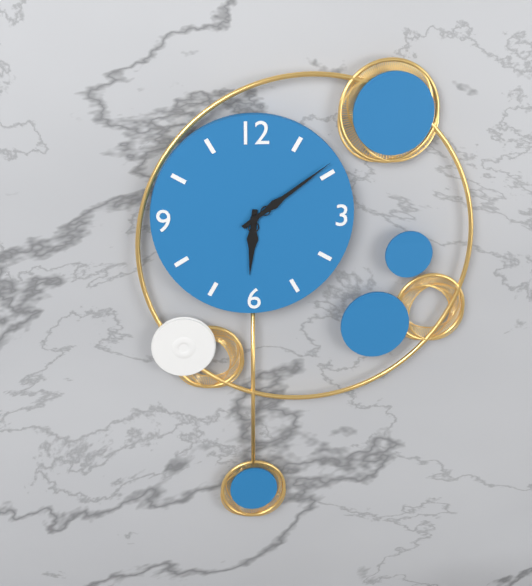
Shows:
{"hour": 6, "minute": 9}
